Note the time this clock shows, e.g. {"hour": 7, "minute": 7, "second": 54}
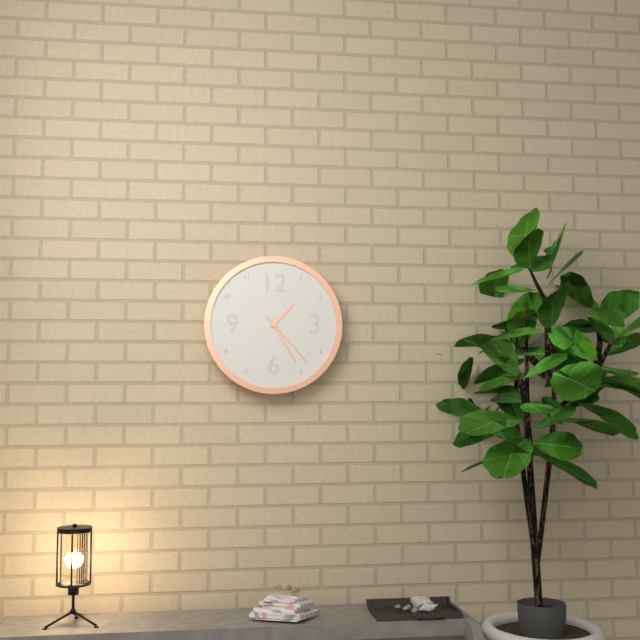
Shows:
{"hour": 1, "minute": 25, "second": 23}
